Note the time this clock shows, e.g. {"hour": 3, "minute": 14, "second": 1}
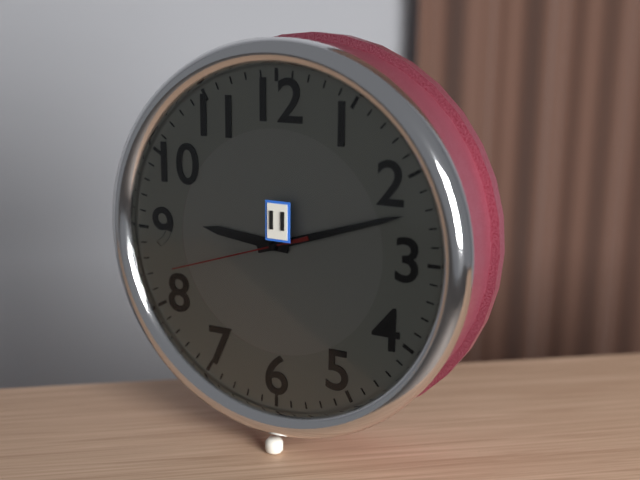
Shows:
{"hour": 9, "minute": 12, "second": 42}
